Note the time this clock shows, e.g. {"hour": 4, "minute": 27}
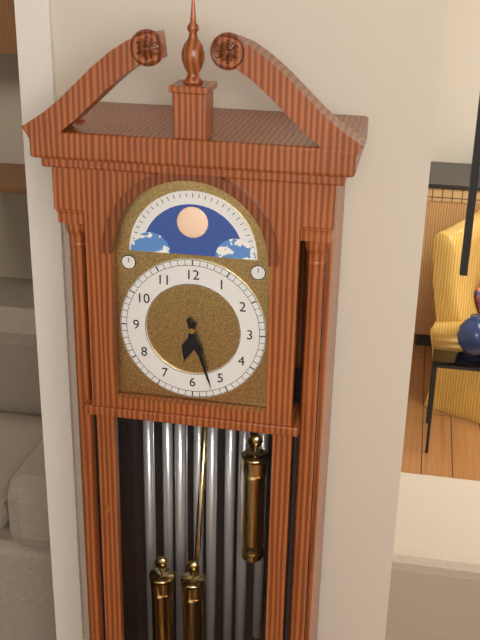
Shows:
{"hour": 6, "minute": 27}
